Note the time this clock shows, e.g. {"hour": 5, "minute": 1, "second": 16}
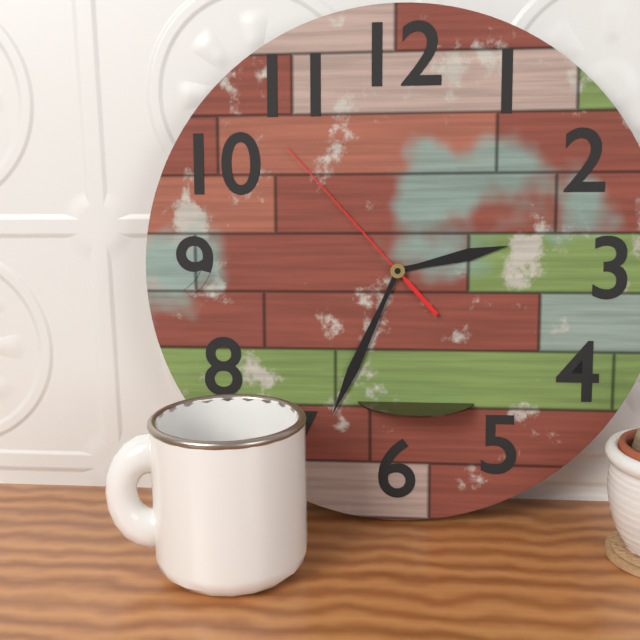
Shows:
{"hour": 2, "minute": 34, "second": 53}
